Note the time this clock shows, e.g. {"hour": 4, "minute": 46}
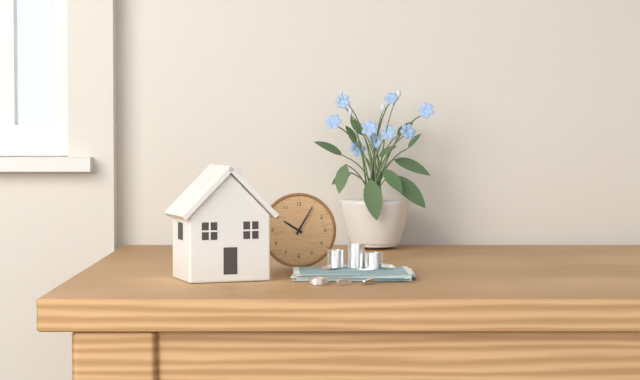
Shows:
{"hour": 10, "minute": 5}
